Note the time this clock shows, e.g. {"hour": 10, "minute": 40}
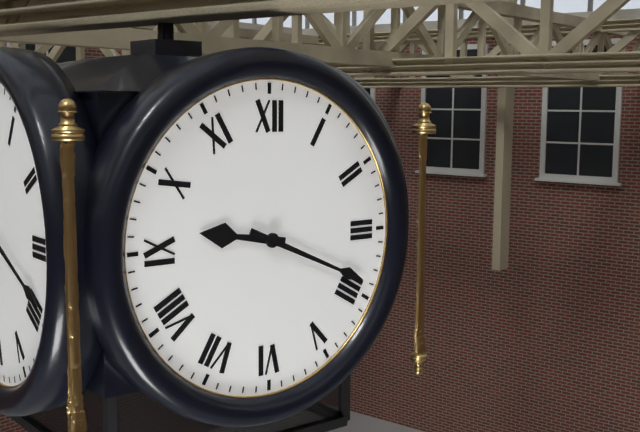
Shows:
{"hour": 9, "minute": 19}
